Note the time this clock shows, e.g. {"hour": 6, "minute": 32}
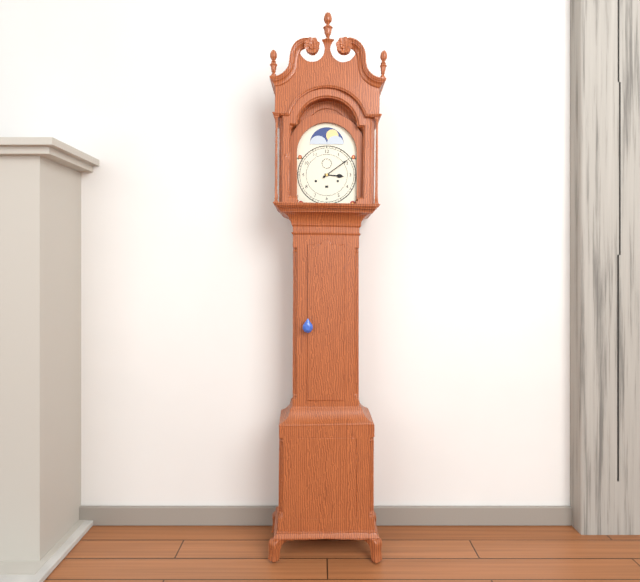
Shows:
{"hour": 3, "minute": 9}
